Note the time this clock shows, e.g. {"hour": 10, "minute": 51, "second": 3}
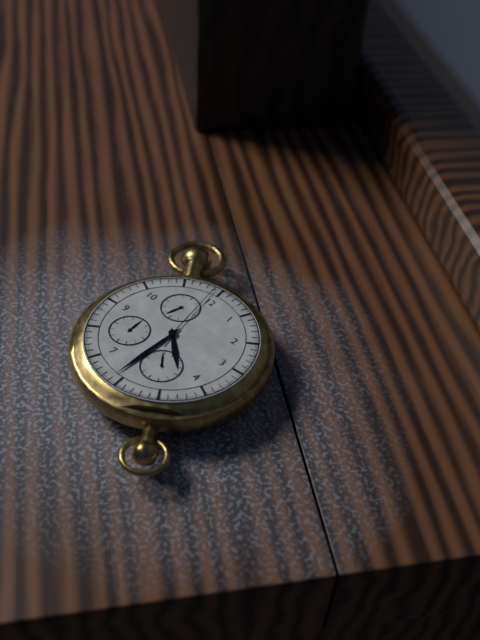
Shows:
{"hour": 4, "minute": 31, "second": 59}
